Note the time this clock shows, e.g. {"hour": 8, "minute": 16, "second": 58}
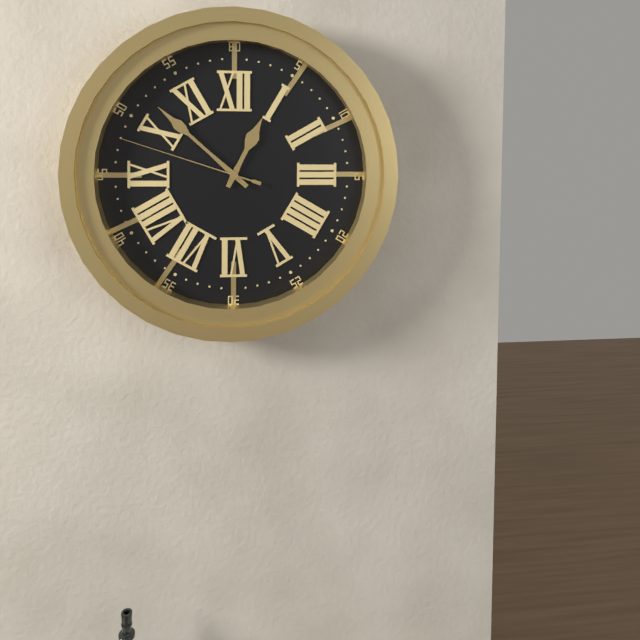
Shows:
{"hour": 12, "minute": 52, "second": 48}
